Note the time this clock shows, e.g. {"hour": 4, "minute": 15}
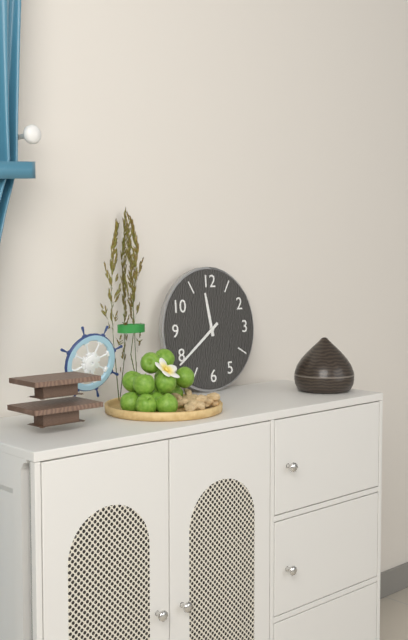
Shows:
{"hour": 11, "minute": 39}
